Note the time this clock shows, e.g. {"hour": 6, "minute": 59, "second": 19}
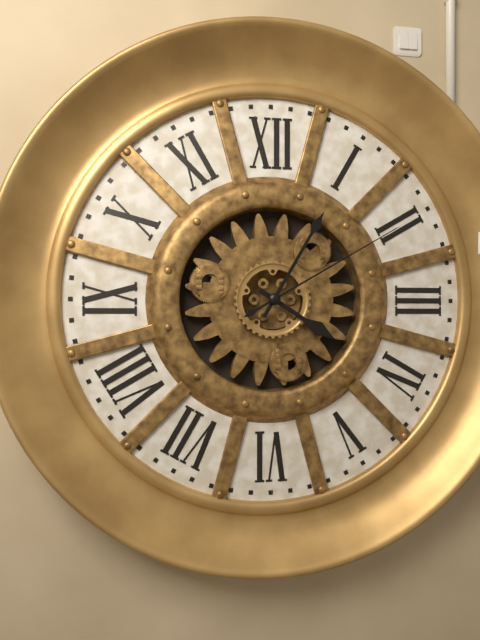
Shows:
{"hour": 4, "minute": 5, "second": 10}
